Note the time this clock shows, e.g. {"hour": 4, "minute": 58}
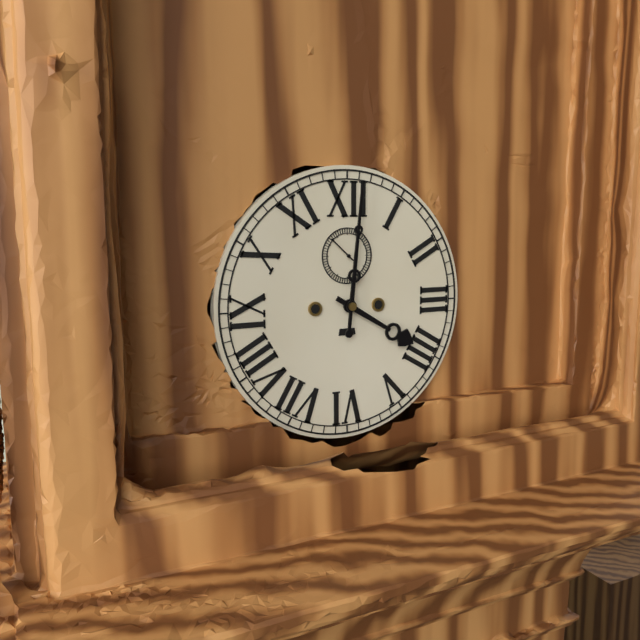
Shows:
{"hour": 4, "minute": 1}
